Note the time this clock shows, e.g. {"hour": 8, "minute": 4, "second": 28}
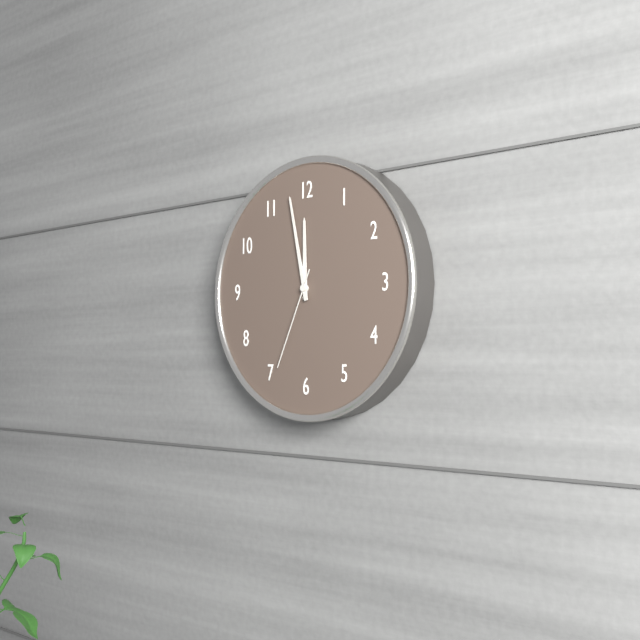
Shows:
{"hour": 11, "minute": 58, "second": 34}
